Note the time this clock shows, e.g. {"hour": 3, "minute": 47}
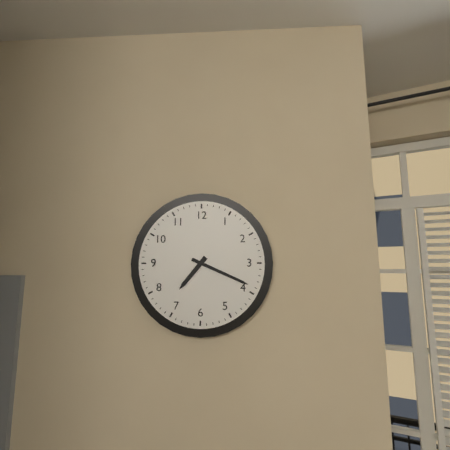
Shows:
{"hour": 7, "minute": 19}
